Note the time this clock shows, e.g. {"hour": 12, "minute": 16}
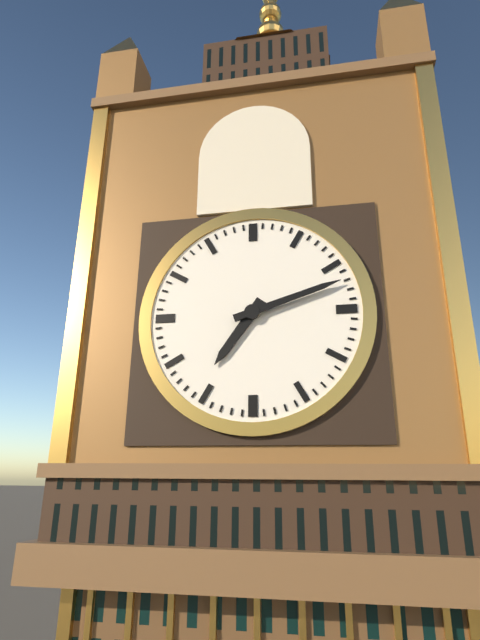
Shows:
{"hour": 7, "minute": 12}
